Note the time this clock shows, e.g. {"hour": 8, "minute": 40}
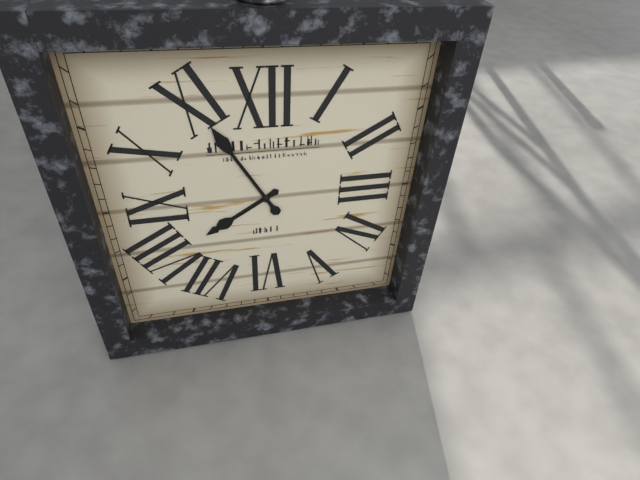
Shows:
{"hour": 7, "minute": 55}
